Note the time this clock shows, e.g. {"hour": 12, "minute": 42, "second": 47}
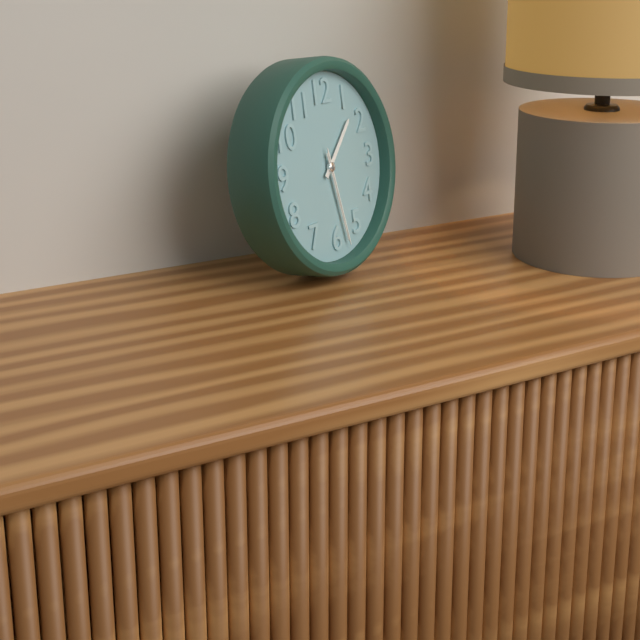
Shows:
{"hour": 1, "minute": 28, "second": 28}
